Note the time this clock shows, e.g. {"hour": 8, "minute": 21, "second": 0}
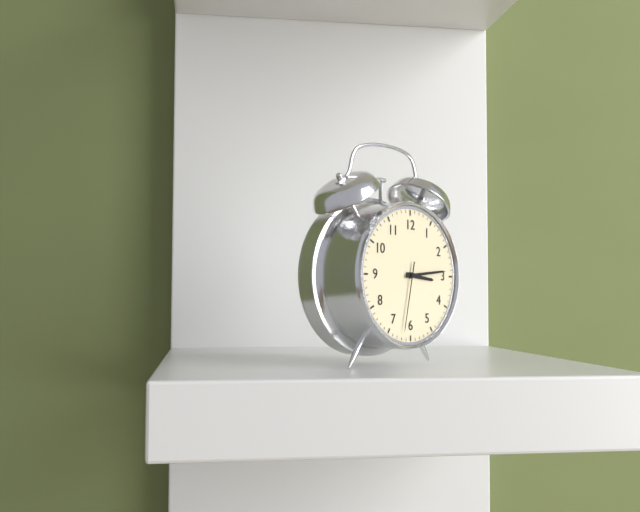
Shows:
{"hour": 3, "minute": 14, "second": 32}
